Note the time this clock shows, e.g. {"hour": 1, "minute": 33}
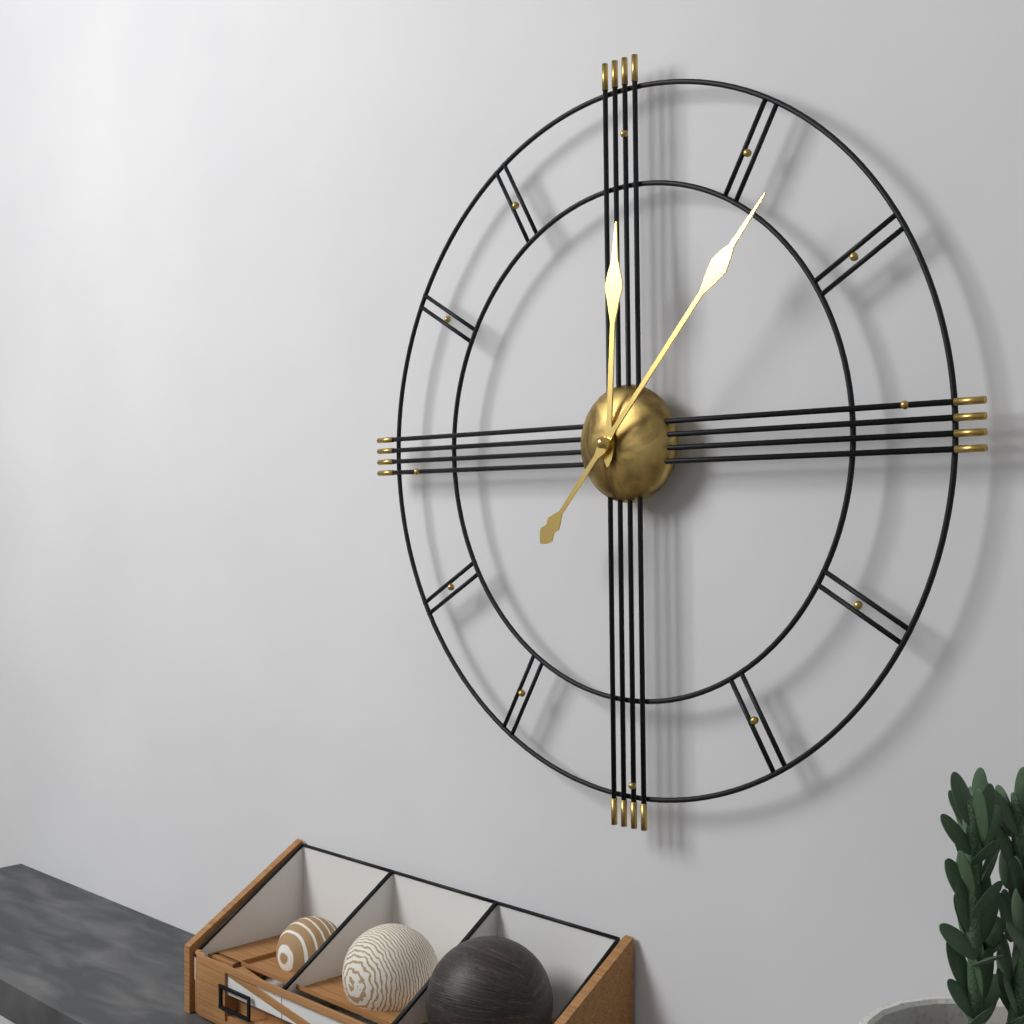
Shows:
{"hour": 12, "minute": 7}
